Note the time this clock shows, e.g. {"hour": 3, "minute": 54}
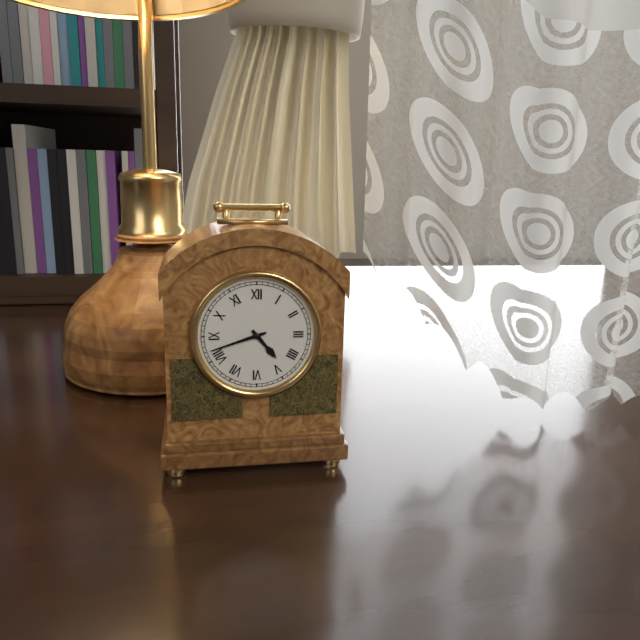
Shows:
{"hour": 4, "minute": 42}
